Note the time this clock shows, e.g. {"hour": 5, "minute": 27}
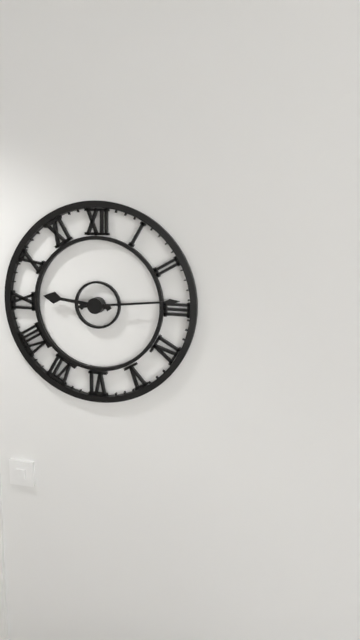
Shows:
{"hour": 9, "minute": 14}
